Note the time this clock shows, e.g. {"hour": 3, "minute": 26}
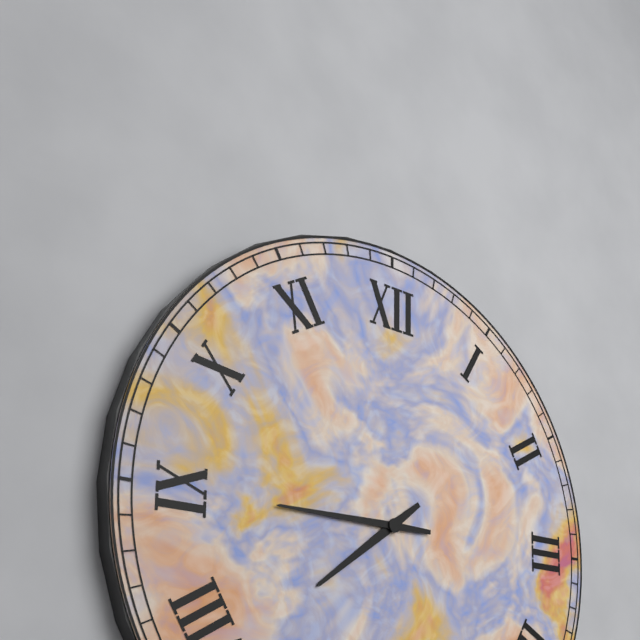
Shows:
{"hour": 7, "minute": 45}
